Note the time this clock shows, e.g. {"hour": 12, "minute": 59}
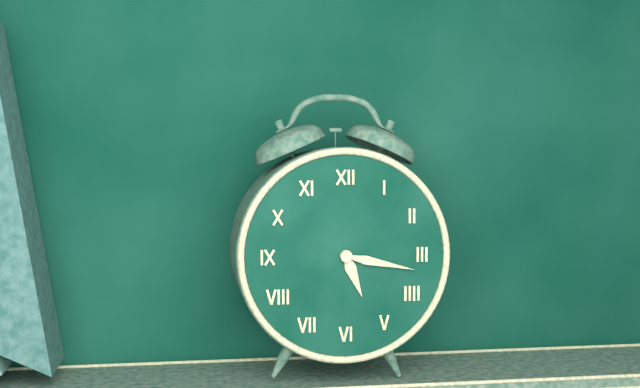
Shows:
{"hour": 5, "minute": 17}
